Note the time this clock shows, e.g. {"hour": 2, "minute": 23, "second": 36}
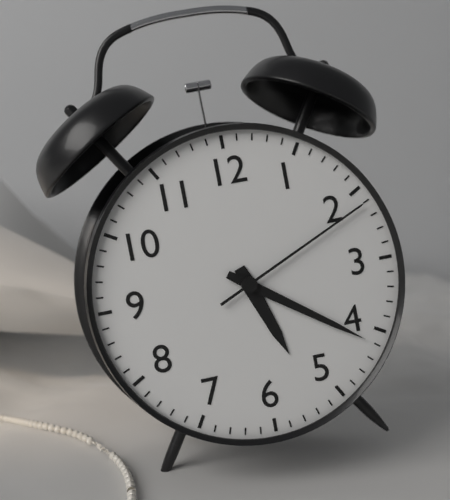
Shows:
{"hour": 5, "minute": 21, "second": 11}
